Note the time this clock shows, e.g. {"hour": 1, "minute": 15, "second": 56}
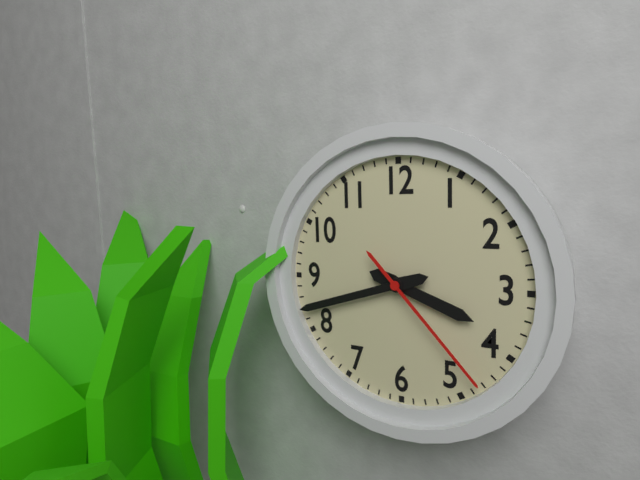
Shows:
{"hour": 3, "minute": 42, "second": 23}
